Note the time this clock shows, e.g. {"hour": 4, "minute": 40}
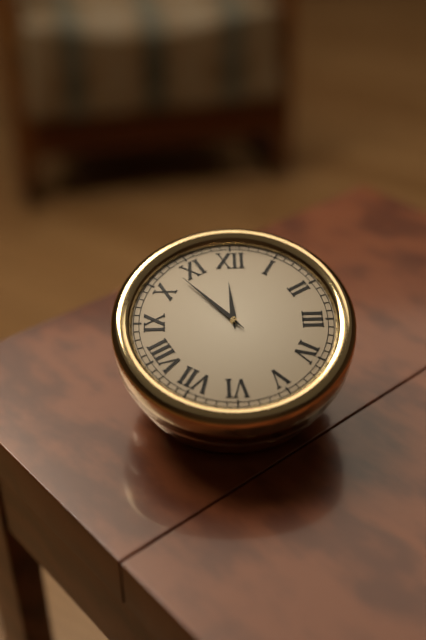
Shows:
{"hour": 11, "minute": 53}
